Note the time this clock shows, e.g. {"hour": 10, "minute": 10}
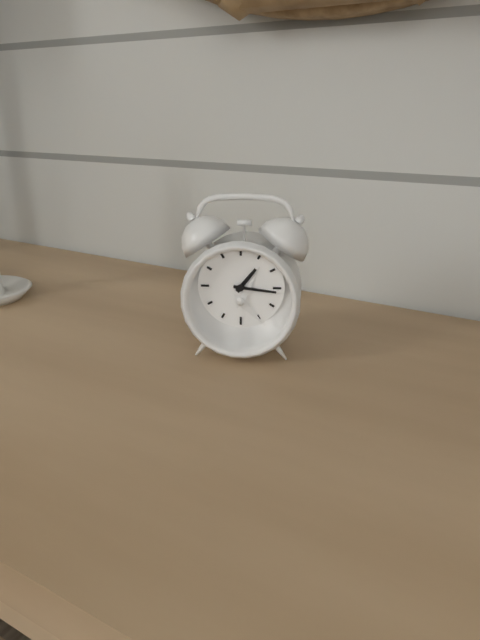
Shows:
{"hour": 1, "minute": 16}
